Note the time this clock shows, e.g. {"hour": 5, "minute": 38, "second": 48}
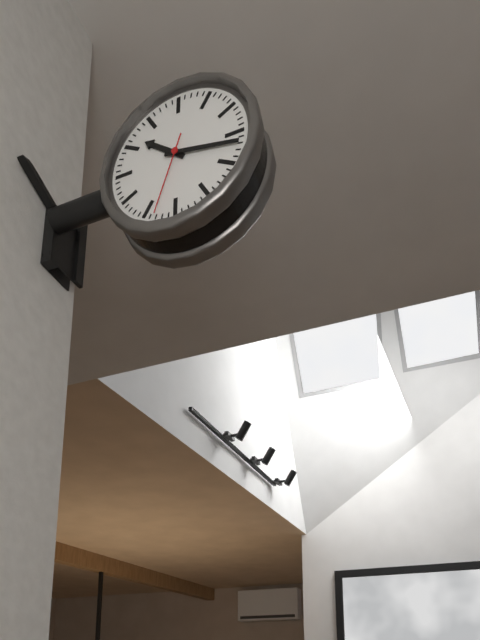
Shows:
{"hour": 10, "minute": 17, "second": 33}
